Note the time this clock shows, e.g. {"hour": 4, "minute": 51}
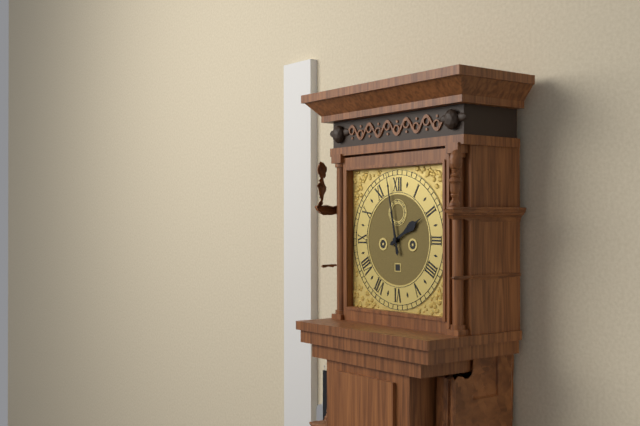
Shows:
{"hour": 1, "minute": 58}
